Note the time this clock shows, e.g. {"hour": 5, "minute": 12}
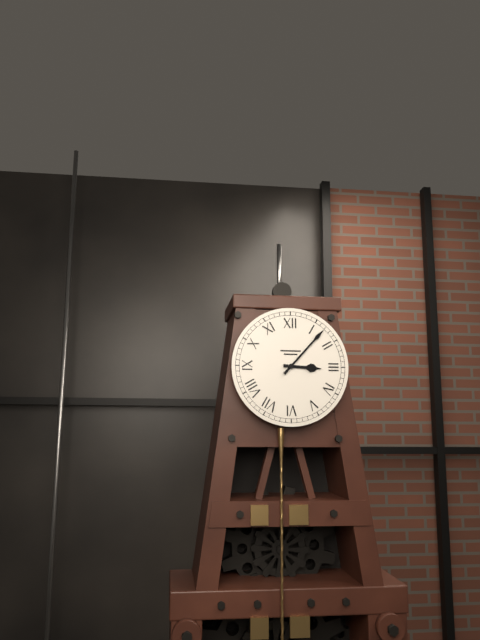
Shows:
{"hour": 3, "minute": 7}
